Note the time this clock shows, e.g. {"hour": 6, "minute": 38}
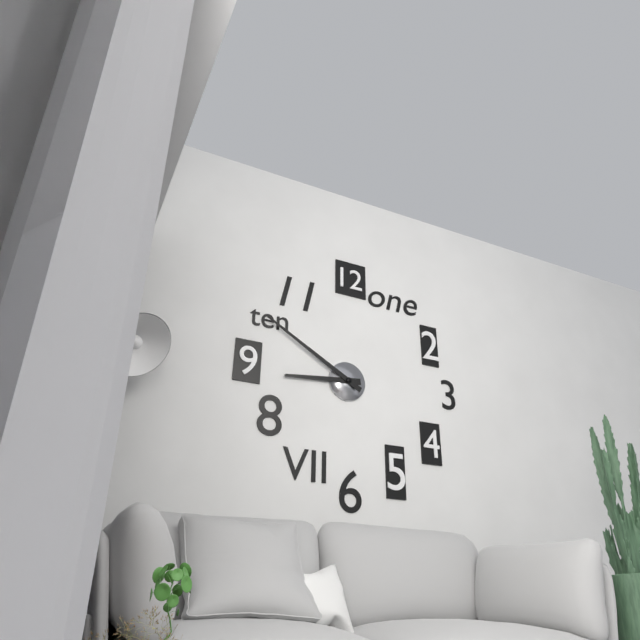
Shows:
{"hour": 8, "minute": 50}
